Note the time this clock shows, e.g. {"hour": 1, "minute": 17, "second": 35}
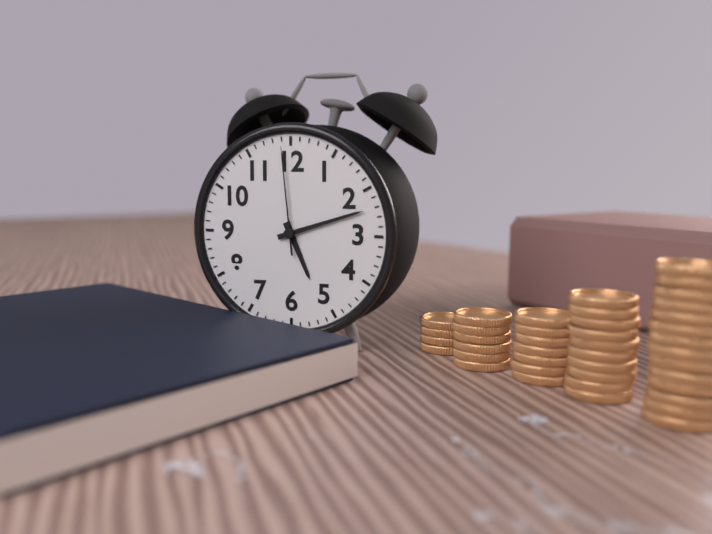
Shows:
{"hour": 5, "minute": 12, "second": 59}
